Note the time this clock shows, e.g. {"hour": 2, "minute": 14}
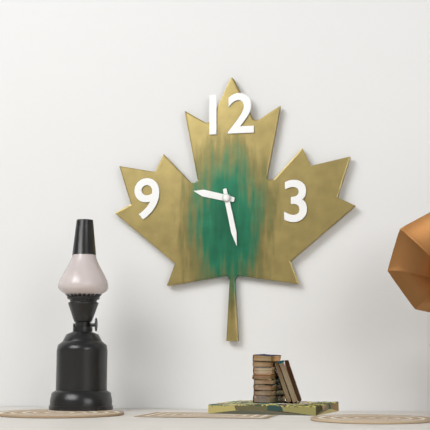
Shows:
{"hour": 9, "minute": 28}
